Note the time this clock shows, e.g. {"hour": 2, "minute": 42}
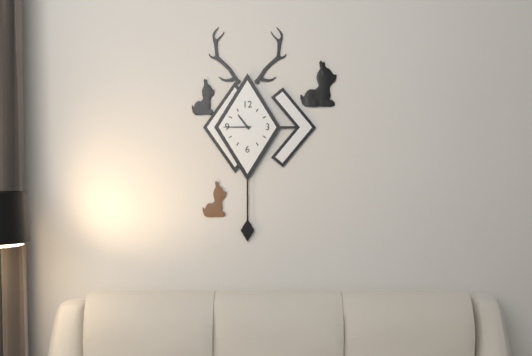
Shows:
{"hour": 10, "minute": 45}
